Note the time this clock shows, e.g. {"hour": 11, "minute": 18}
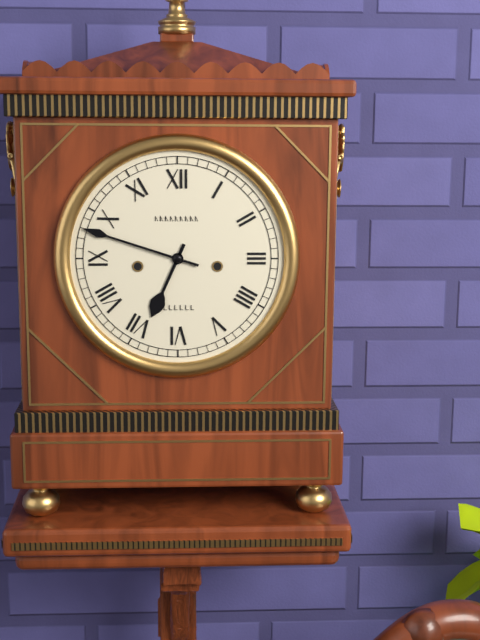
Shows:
{"hour": 6, "minute": 48}
